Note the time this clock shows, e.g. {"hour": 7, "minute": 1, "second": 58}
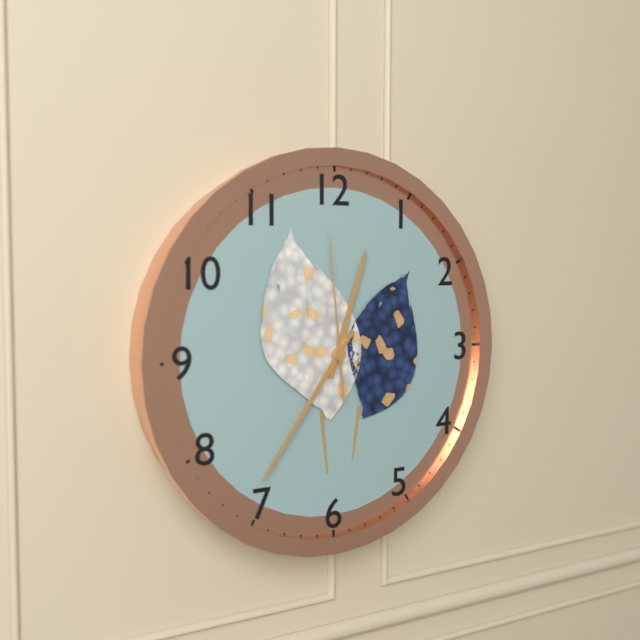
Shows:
{"hour": 12, "minute": 36, "second": 59}
